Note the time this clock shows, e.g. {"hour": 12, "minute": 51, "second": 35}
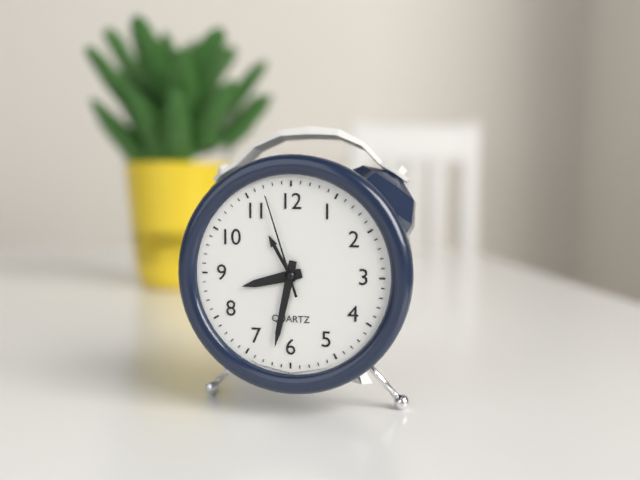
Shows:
{"hour": 8, "minute": 32, "second": 57}
